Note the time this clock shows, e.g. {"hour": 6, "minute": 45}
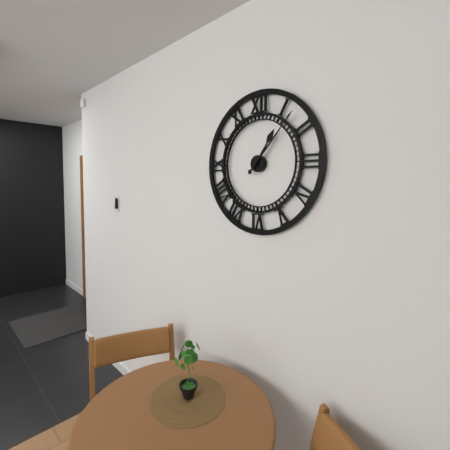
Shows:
{"hour": 1, "minute": 7}
